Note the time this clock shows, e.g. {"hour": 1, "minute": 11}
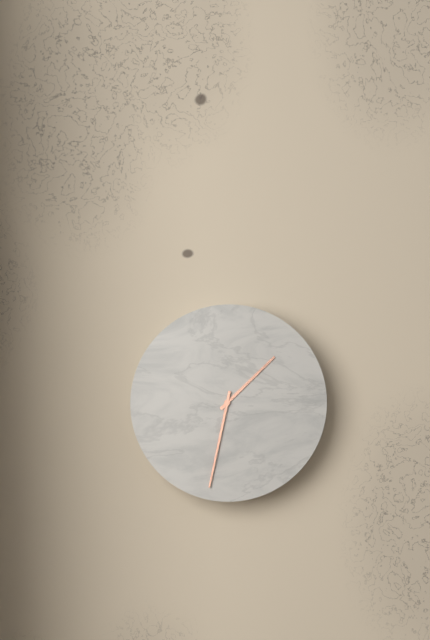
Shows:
{"hour": 1, "minute": 32}
